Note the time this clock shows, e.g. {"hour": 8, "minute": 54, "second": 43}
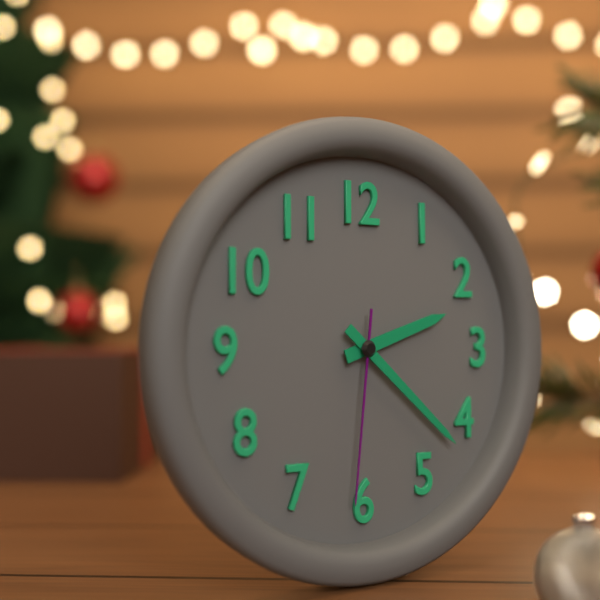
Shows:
{"hour": 2, "minute": 22, "second": 31}
